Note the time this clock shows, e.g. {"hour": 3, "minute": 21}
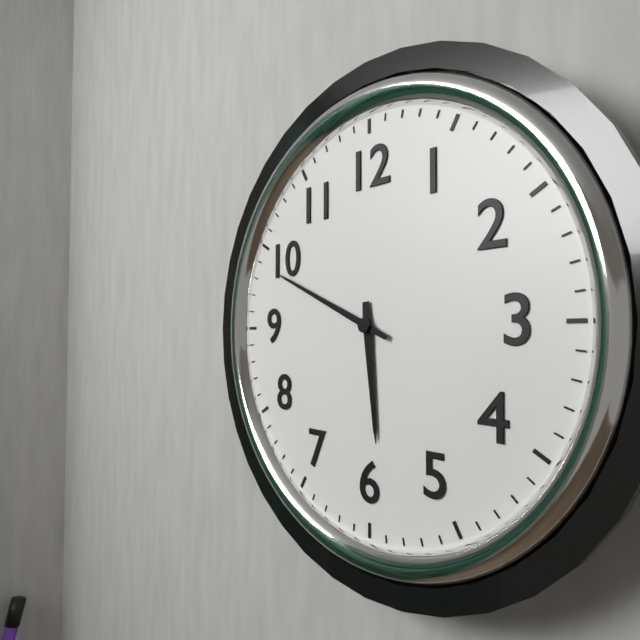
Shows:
{"hour": 5, "minute": 49}
